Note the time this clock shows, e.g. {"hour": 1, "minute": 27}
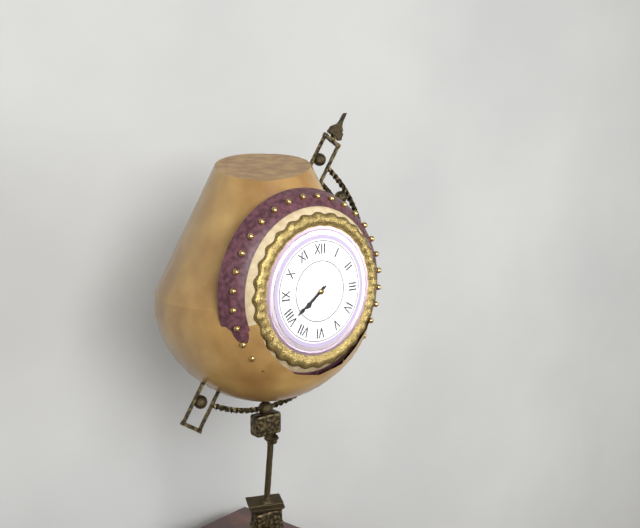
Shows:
{"hour": 7, "minute": 39}
